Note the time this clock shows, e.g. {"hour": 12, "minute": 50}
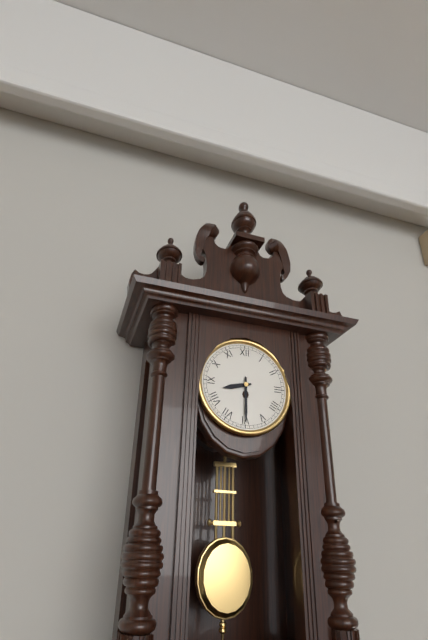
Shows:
{"hour": 8, "minute": 30}
